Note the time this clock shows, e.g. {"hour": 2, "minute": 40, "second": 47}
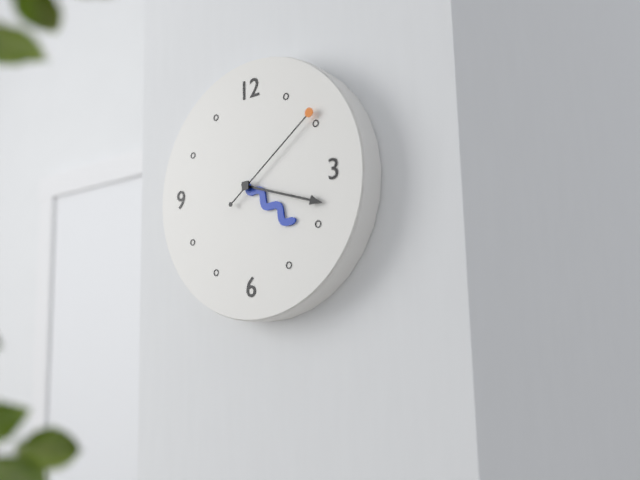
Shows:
{"hour": 4, "minute": 18, "second": 9}
